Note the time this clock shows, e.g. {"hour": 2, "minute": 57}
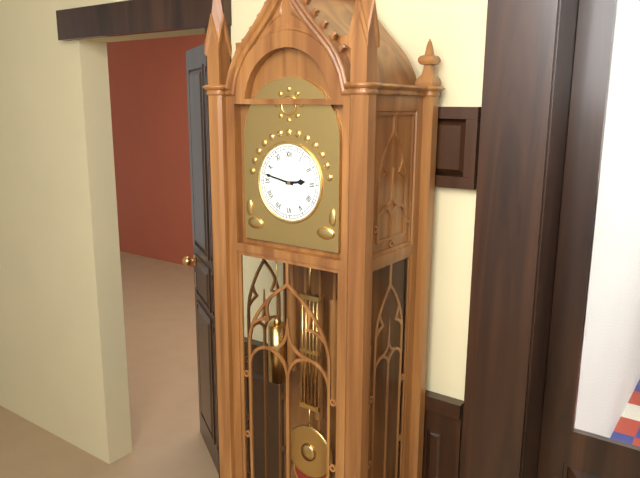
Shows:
{"hour": 2, "minute": 47}
